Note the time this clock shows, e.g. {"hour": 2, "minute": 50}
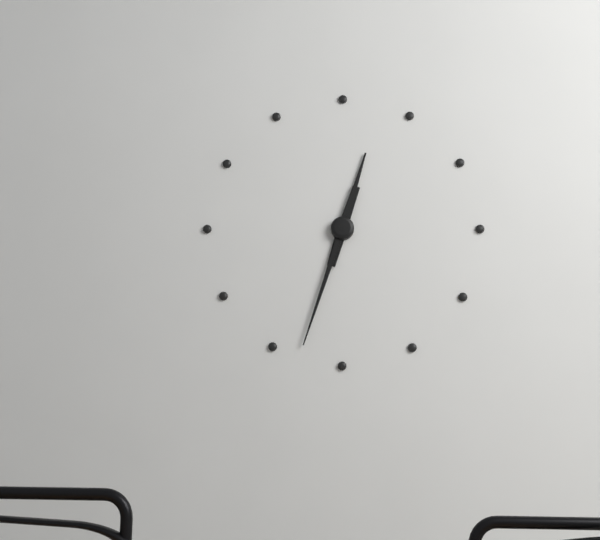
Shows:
{"hour": 12, "minute": 33}
